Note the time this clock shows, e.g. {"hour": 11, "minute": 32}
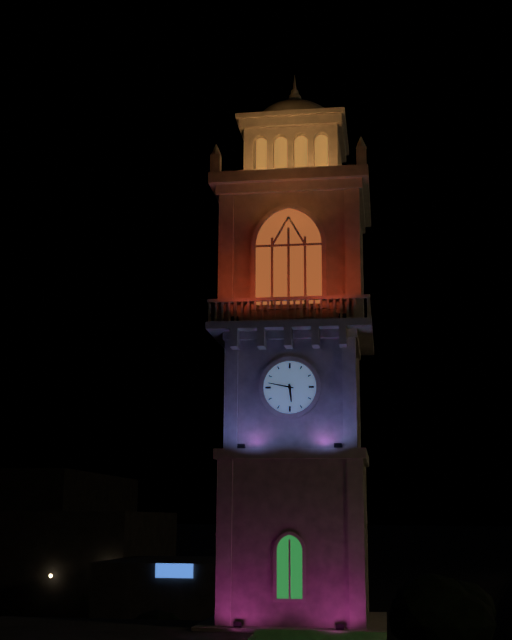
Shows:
{"hour": 5, "minute": 47}
